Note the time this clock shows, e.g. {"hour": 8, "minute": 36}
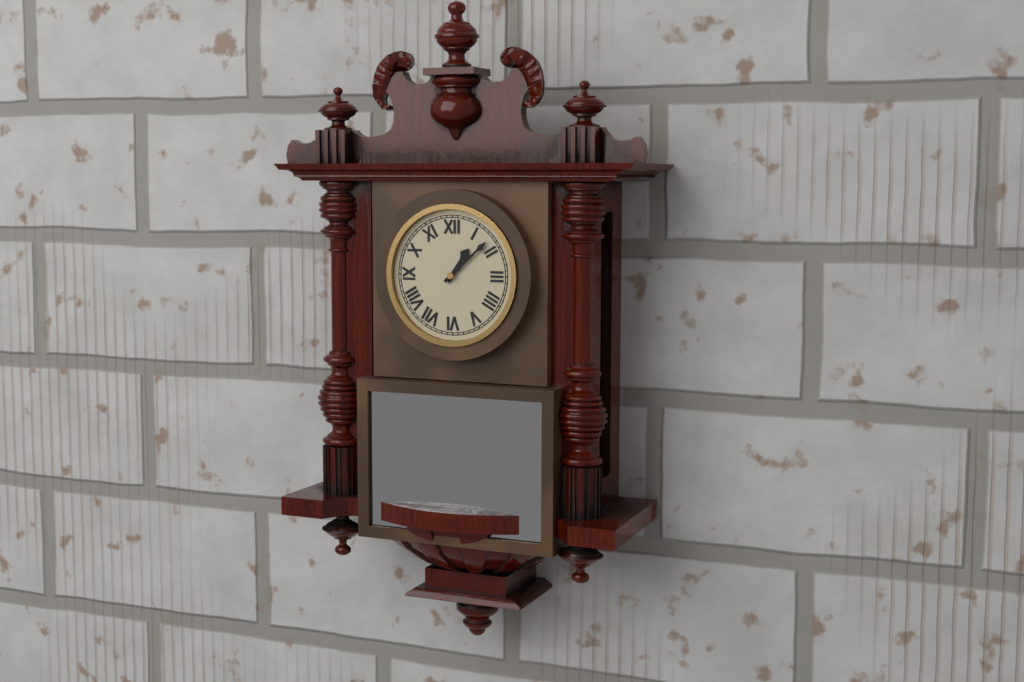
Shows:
{"hour": 1, "minute": 8}
